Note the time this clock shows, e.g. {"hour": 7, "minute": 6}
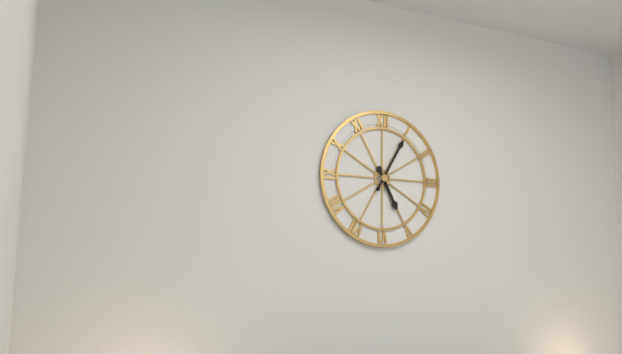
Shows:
{"hour": 5, "minute": 5}
